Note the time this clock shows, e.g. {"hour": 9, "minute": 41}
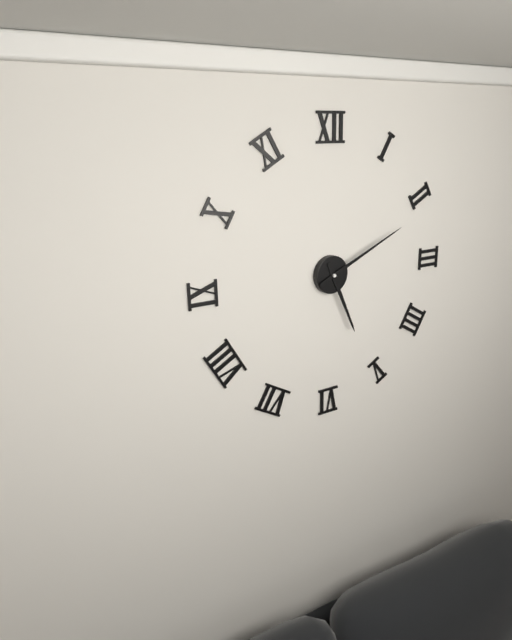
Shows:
{"hour": 5, "minute": 11}
